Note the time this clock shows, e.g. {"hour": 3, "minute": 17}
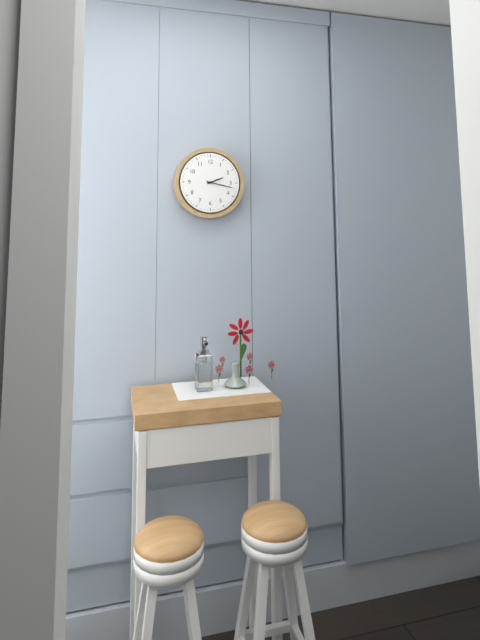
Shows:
{"hour": 2, "minute": 17}
